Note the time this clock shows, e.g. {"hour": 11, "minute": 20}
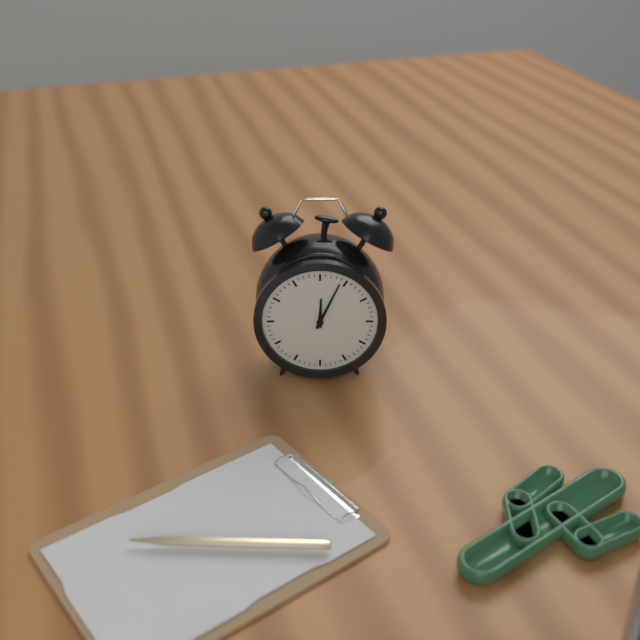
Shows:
{"hour": 12, "minute": 4}
